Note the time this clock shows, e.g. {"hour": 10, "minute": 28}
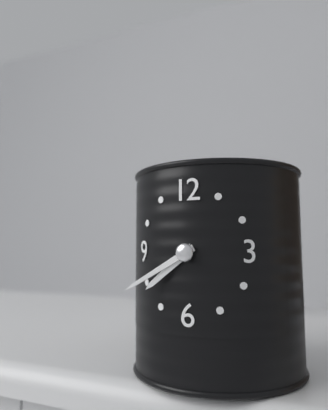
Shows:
{"hour": 7, "minute": 40}
